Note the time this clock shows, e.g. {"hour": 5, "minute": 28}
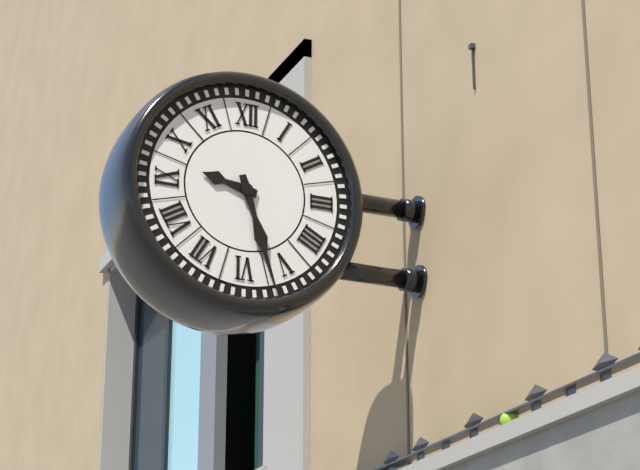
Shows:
{"hour": 9, "minute": 27}
